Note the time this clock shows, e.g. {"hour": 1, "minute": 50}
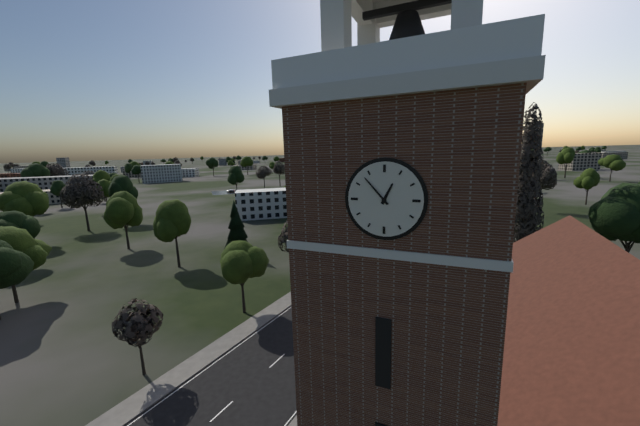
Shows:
{"hour": 12, "minute": 53}
